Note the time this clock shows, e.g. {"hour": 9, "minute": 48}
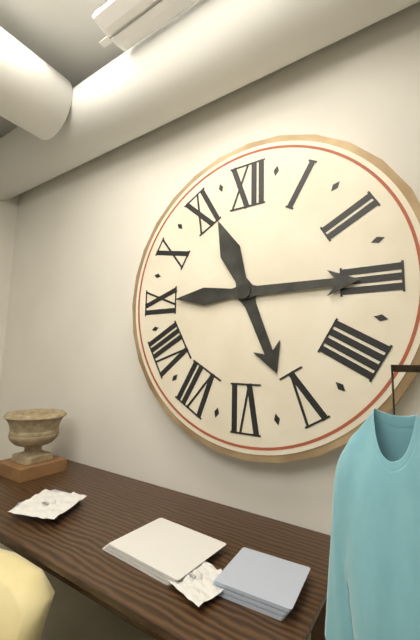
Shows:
{"hour": 5, "minute": 15}
